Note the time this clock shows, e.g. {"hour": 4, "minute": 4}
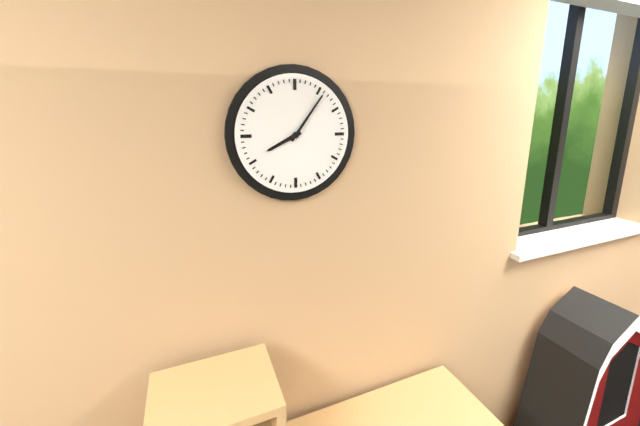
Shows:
{"hour": 8, "minute": 6}
